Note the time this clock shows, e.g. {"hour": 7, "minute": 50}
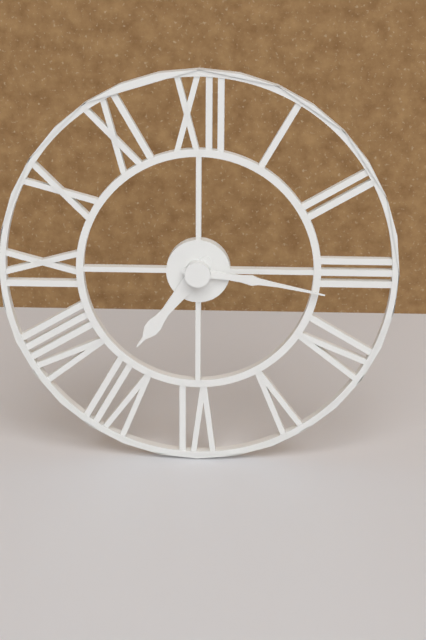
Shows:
{"hour": 7, "minute": 16}
